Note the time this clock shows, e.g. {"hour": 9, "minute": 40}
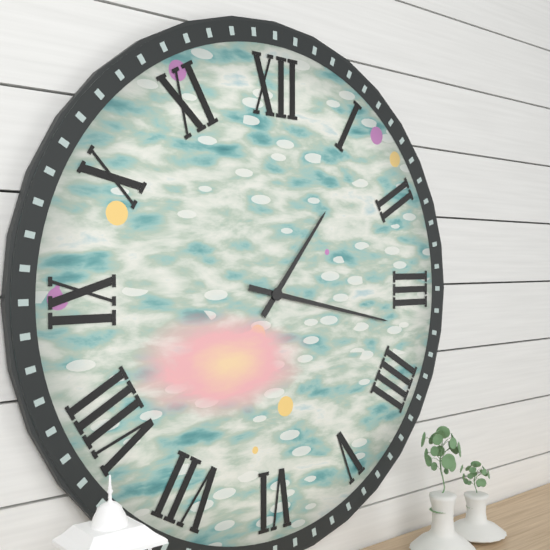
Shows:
{"hour": 1, "minute": 17}
